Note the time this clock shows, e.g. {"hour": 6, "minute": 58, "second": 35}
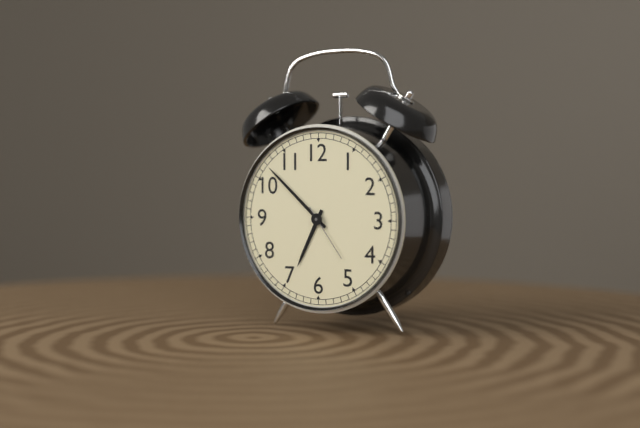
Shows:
{"hour": 6, "minute": 52, "second": 24}
